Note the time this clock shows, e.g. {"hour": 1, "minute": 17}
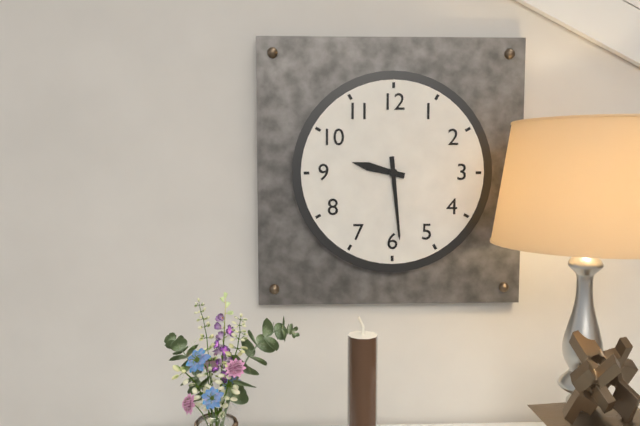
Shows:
{"hour": 9, "minute": 29}
